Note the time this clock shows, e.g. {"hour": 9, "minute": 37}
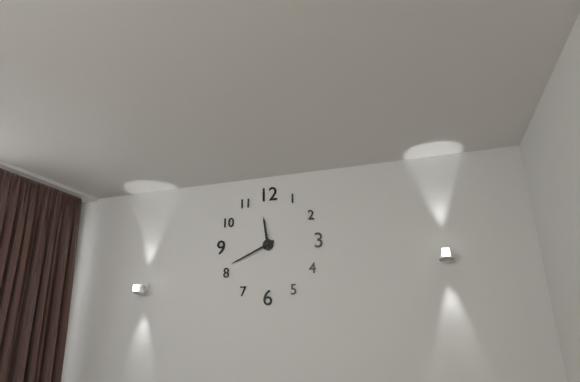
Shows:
{"hour": 11, "minute": 41}
